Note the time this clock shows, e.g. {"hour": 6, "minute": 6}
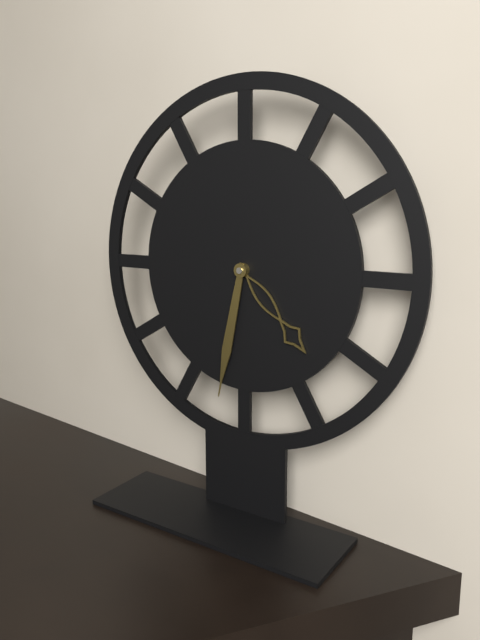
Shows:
{"hour": 4, "minute": 32}
